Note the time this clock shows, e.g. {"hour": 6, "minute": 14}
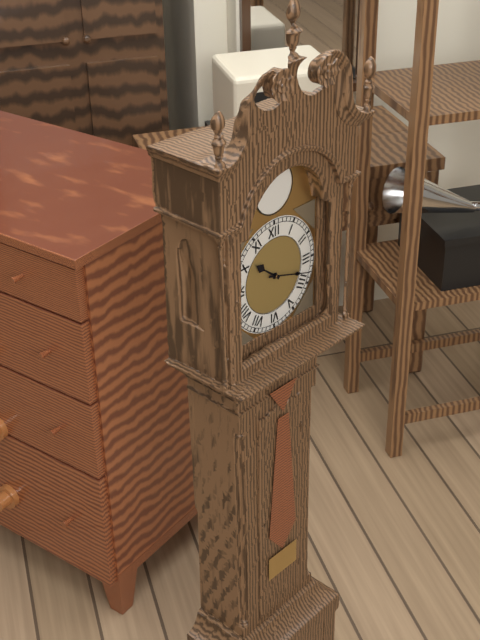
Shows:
{"hour": 10, "minute": 18}
